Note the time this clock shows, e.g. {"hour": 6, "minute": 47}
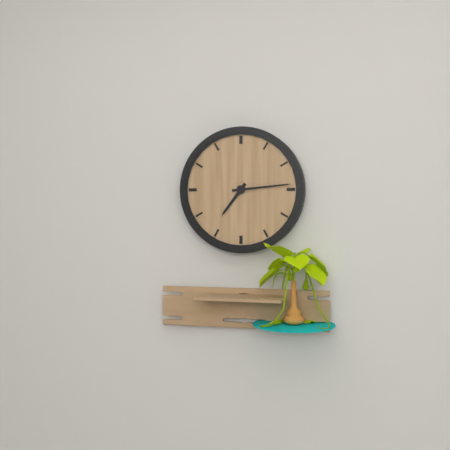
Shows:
{"hour": 7, "minute": 14}
